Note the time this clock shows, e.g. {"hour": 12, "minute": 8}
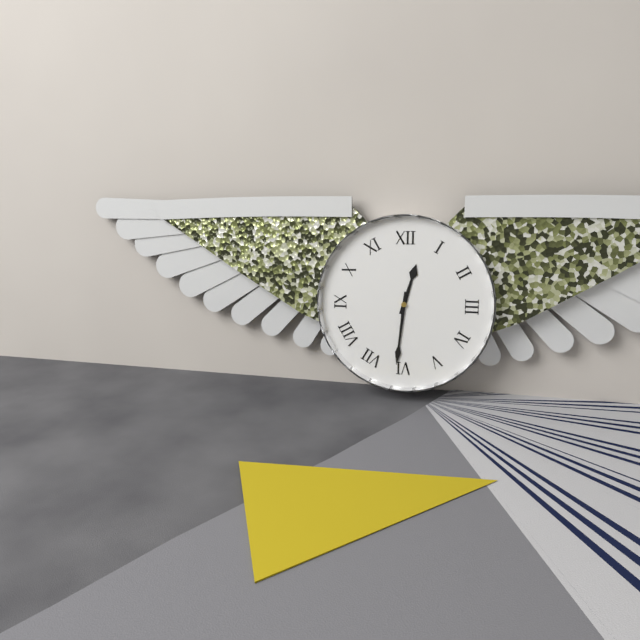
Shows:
{"hour": 12, "minute": 31}
